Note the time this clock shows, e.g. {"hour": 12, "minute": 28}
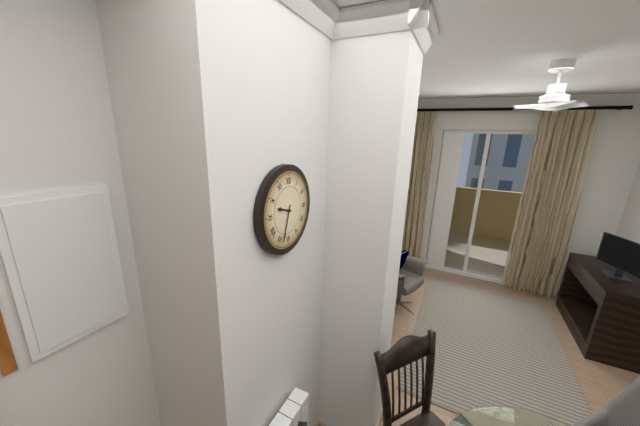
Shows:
{"hour": 9, "minute": 33}
